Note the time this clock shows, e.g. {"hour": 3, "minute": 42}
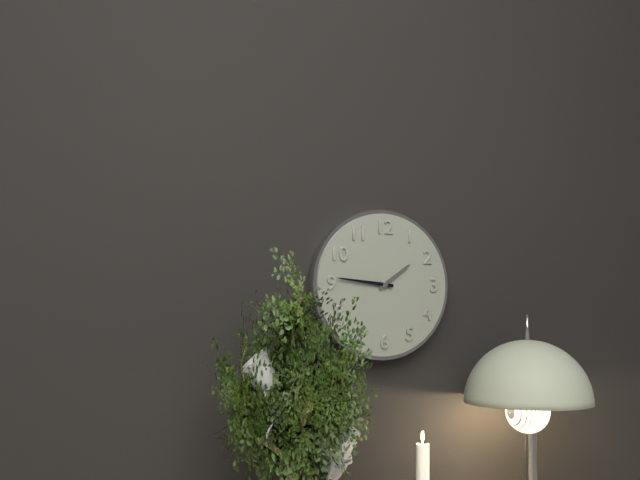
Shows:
{"hour": 1, "minute": 46}
